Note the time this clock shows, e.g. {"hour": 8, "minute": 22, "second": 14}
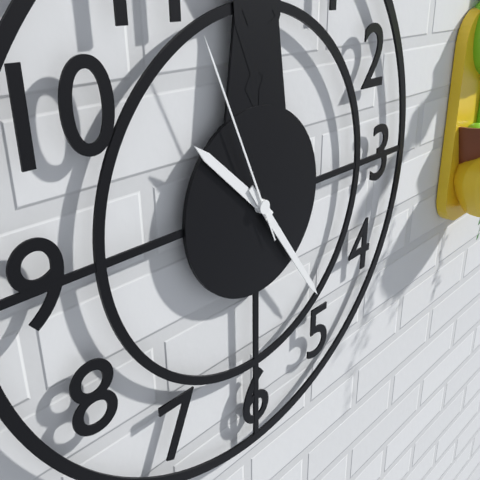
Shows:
{"hour": 10, "minute": 24, "second": 56}
